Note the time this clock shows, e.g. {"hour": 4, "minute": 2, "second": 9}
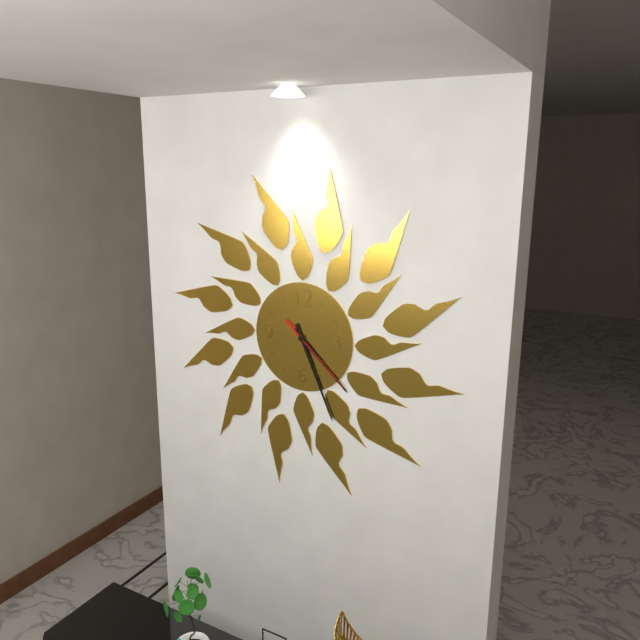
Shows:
{"hour": 4, "minute": 26, "second": 22}
